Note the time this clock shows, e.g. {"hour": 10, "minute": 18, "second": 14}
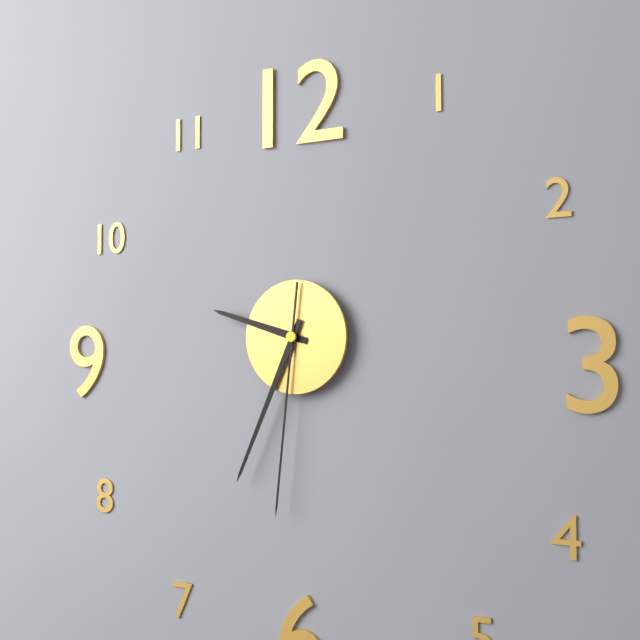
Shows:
{"hour": 9, "minute": 34, "second": 31}
